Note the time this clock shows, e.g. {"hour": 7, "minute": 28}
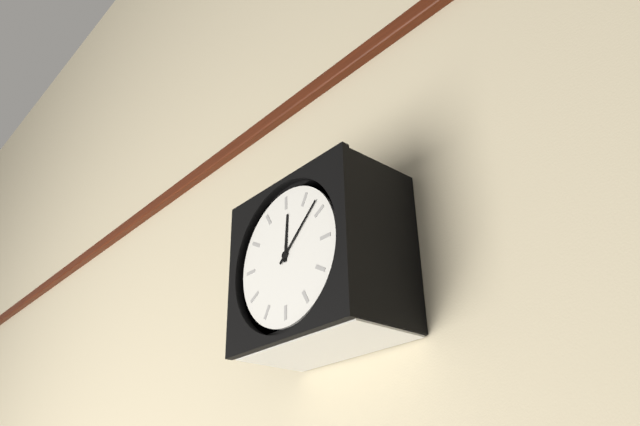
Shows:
{"hour": 12, "minute": 8}
